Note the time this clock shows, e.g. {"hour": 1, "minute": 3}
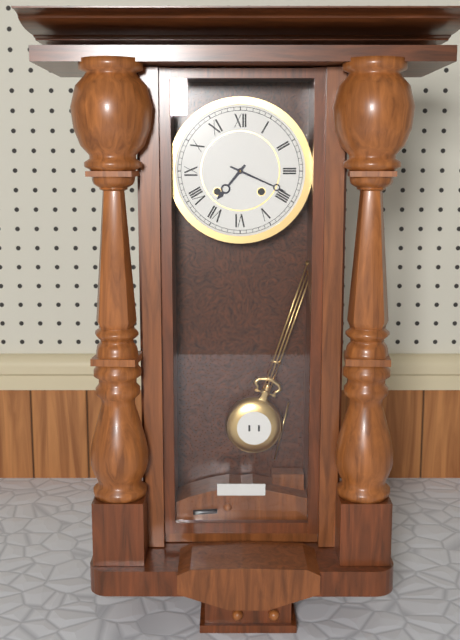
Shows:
{"hour": 7, "minute": 19}
